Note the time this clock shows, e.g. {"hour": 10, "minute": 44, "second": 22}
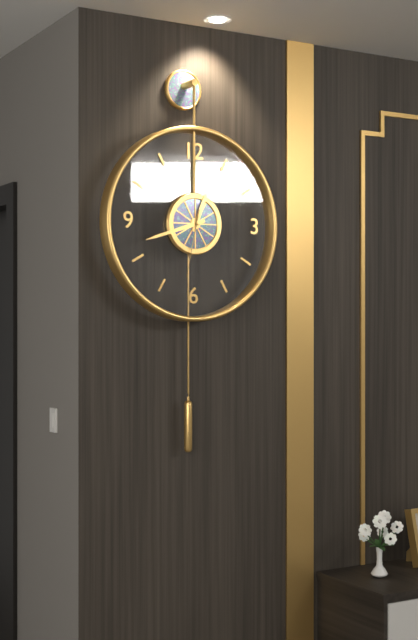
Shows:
{"hour": 12, "minute": 42, "second": 32}
